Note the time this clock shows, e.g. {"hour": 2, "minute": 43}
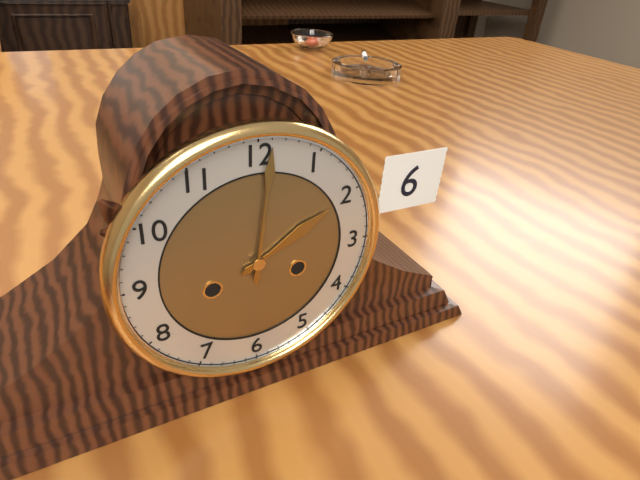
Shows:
{"hour": 2, "minute": 1}
